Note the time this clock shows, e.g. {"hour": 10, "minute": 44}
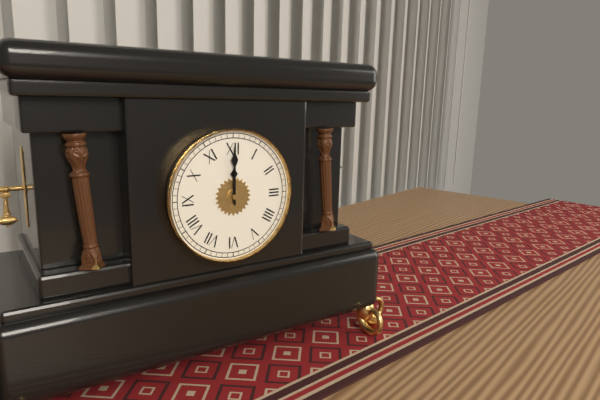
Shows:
{"hour": 12, "minute": 0}
